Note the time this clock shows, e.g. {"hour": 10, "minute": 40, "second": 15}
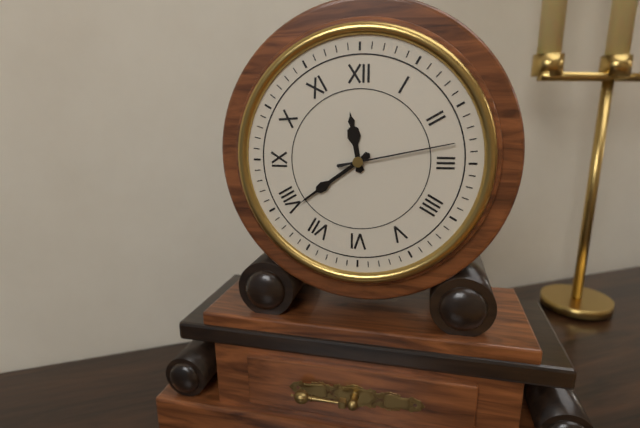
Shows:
{"hour": 11, "minute": 39, "second": 13}
